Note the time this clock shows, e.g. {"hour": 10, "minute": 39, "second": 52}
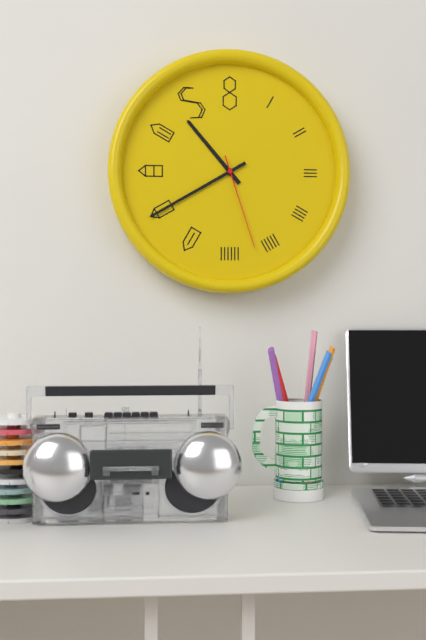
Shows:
{"hour": 10, "minute": 40, "second": 27}
